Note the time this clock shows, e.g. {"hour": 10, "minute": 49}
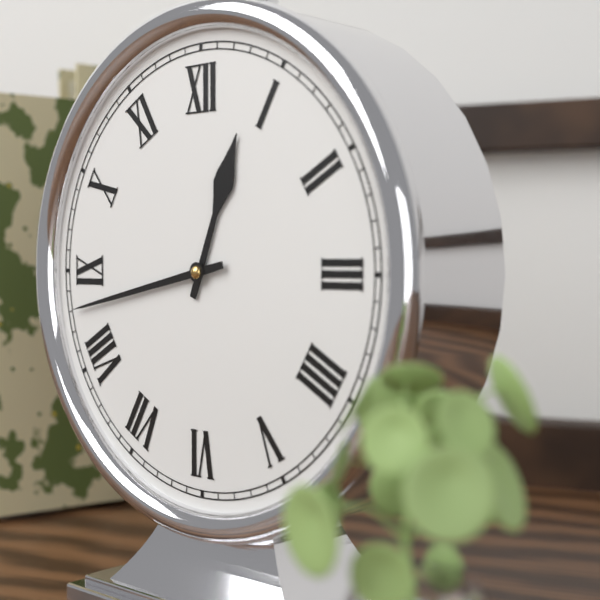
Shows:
{"hour": 12, "minute": 43}
